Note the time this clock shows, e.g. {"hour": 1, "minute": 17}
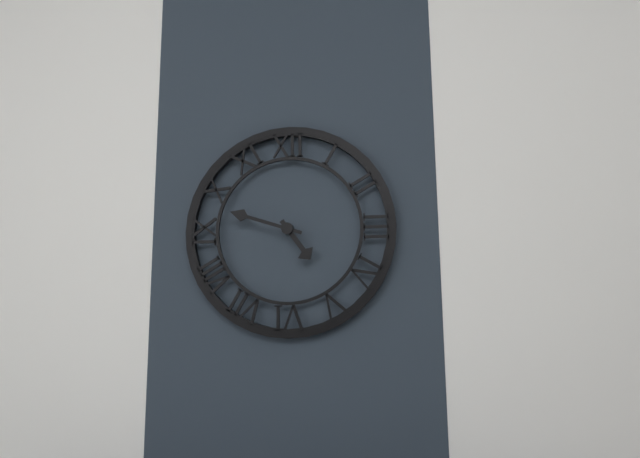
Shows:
{"hour": 4, "minute": 48}
